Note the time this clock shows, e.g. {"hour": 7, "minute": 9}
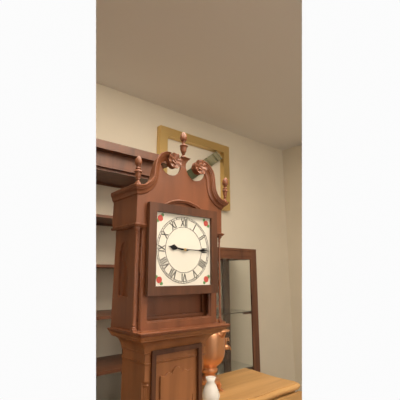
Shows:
{"hour": 9, "minute": 15}
